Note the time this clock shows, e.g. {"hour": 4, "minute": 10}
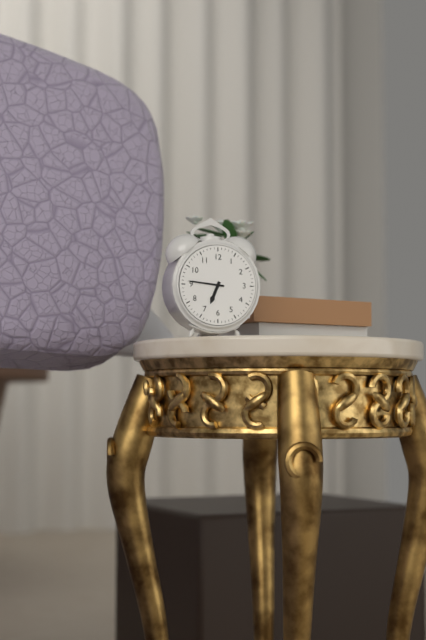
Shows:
{"hour": 6, "minute": 46}
